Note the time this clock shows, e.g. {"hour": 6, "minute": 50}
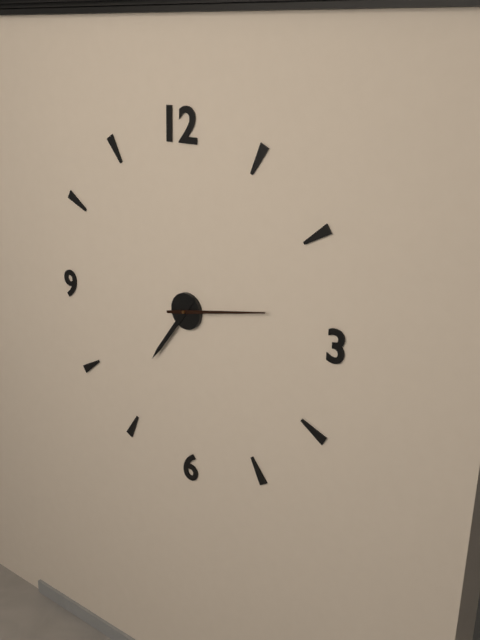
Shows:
{"hour": 7, "minute": 13}
